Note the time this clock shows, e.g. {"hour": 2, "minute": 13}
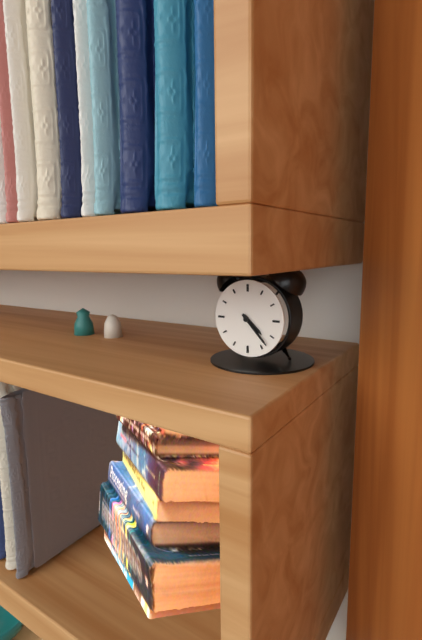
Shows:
{"hour": 4, "minute": 23}
